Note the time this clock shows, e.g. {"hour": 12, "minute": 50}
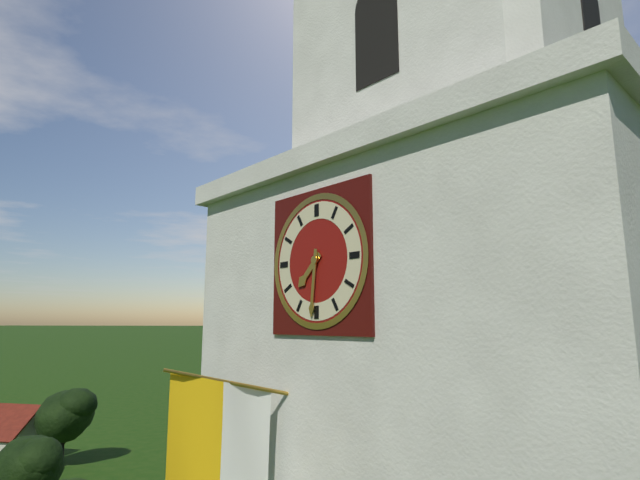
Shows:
{"hour": 7, "minute": 31}
